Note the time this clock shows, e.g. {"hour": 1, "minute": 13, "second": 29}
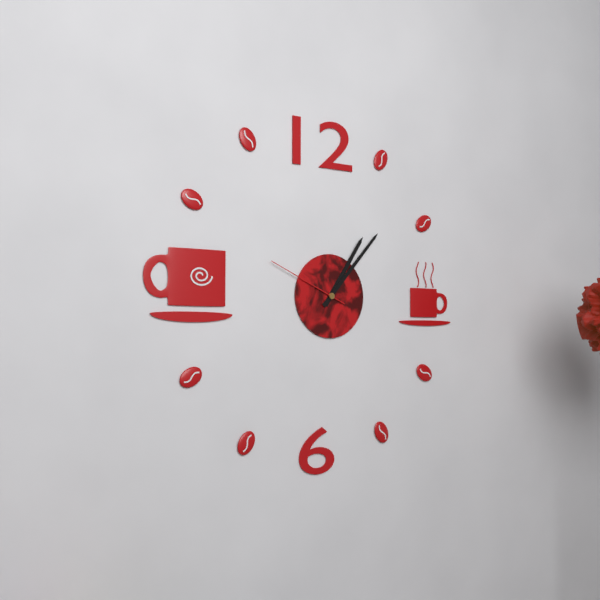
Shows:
{"hour": 1, "minute": 7, "second": 49}
